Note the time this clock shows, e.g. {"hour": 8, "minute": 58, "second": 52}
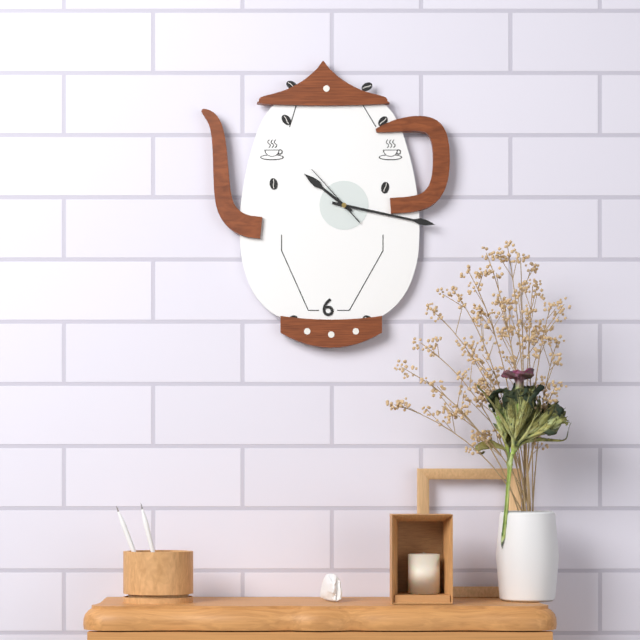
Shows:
{"hour": 10, "minute": 17, "second": 53}
